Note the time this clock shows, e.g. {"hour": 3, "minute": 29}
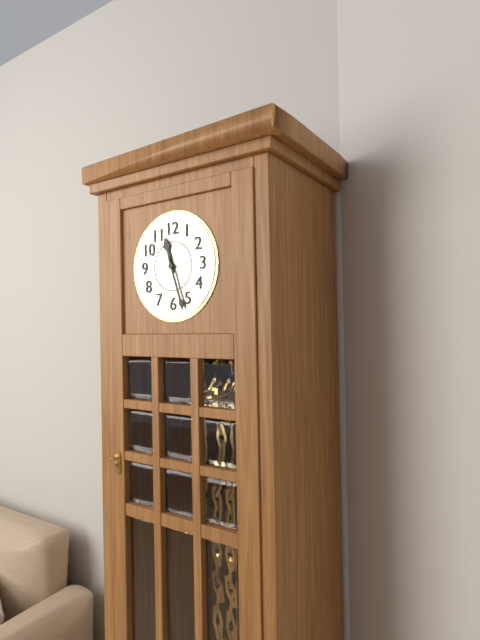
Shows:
{"hour": 11, "minute": 27}
